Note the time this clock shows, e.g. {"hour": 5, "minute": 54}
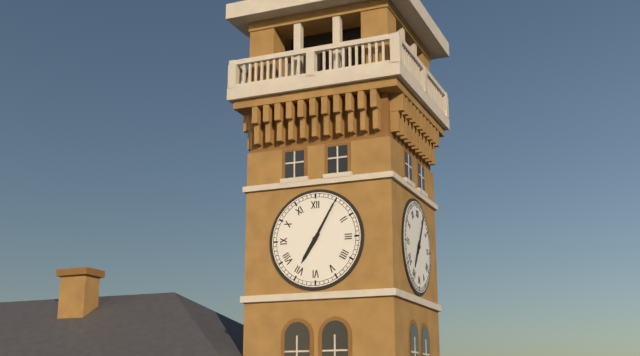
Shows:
{"hour": 7, "minute": 5}
